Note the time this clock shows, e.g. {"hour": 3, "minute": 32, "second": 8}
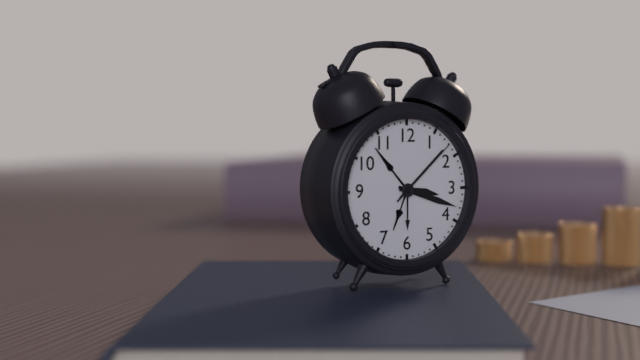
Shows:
{"hour": 3, "minute": 18, "second": 8}
